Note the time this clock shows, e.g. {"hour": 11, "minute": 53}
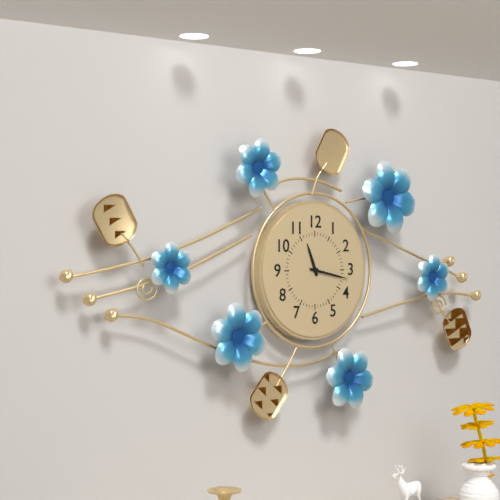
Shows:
{"hour": 11, "minute": 17}
